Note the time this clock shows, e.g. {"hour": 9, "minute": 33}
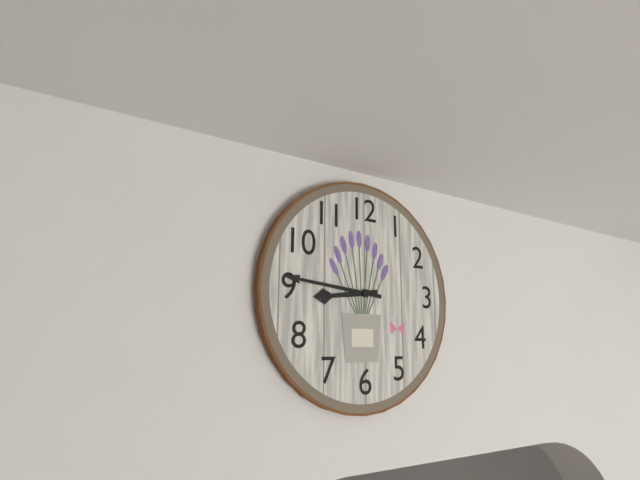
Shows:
{"hour": 8, "minute": 46}
